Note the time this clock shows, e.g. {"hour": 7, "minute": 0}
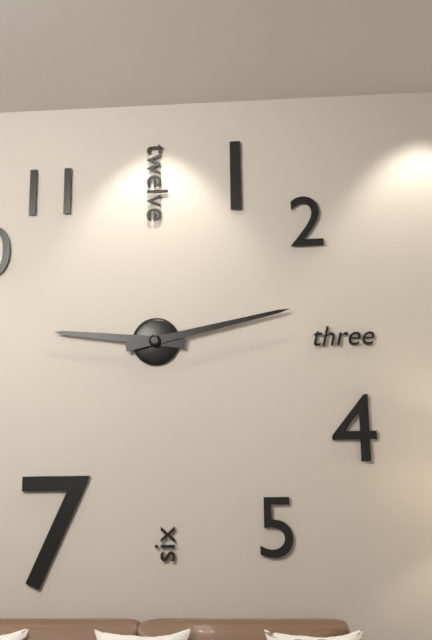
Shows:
{"hour": 9, "minute": 13}
